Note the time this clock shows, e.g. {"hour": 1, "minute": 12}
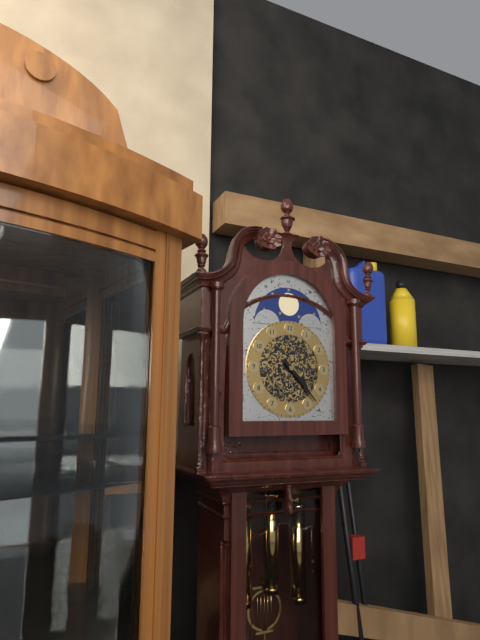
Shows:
{"hour": 4, "minute": 23}
